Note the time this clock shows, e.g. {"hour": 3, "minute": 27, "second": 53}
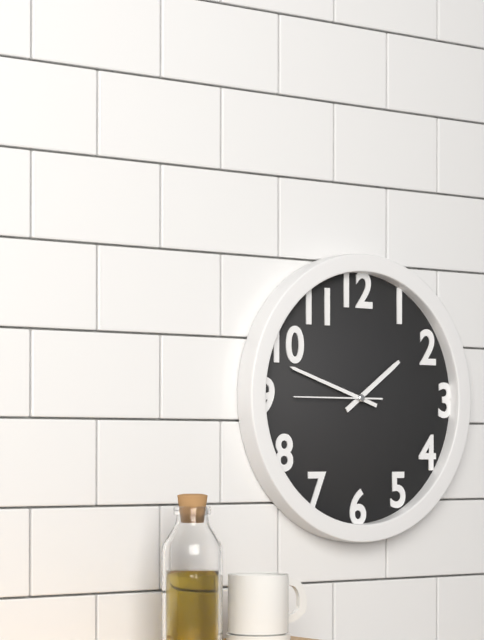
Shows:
{"hour": 1, "minute": 48, "second": 45}
